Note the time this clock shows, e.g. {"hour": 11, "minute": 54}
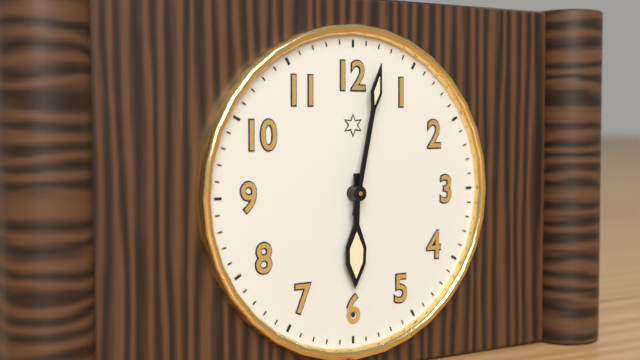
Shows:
{"hour": 6, "minute": 2}
